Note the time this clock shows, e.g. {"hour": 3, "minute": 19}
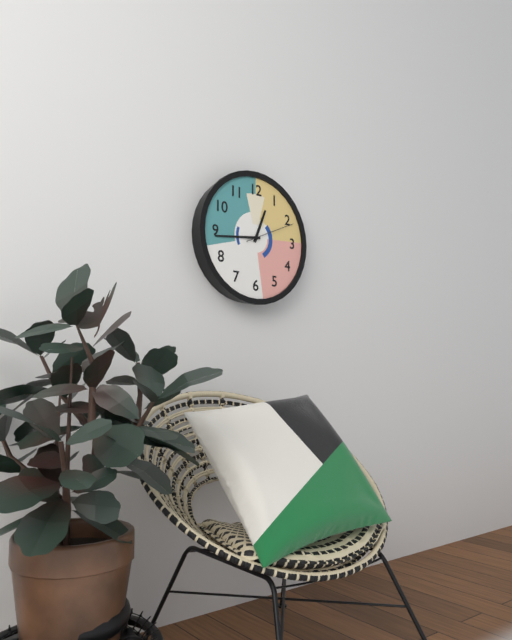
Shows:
{"hour": 12, "minute": 44}
